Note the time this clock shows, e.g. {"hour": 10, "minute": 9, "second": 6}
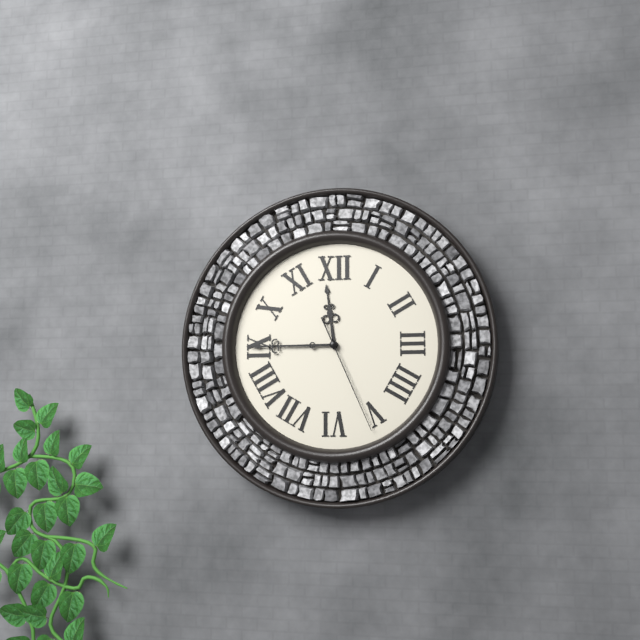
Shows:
{"hour": 11, "minute": 45, "second": 26}
